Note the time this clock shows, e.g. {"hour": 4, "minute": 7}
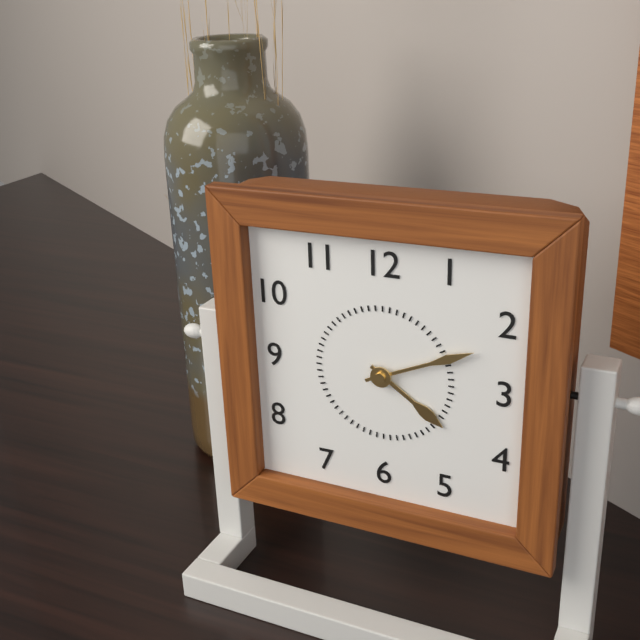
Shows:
{"hour": 4, "minute": 11}
